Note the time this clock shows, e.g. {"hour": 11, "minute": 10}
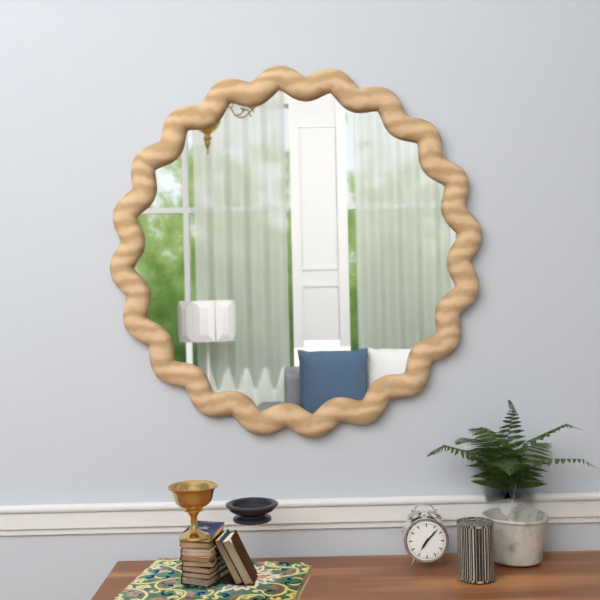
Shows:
{"hour": 7, "minute": 7}
